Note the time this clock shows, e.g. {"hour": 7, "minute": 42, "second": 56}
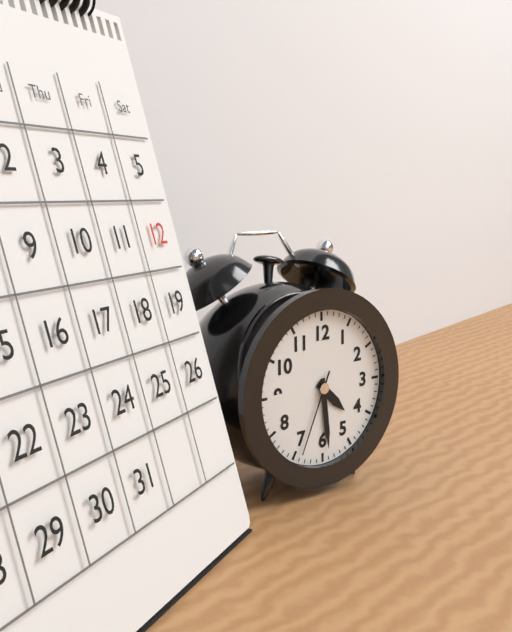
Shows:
{"hour": 4, "minute": 29, "second": 34}
